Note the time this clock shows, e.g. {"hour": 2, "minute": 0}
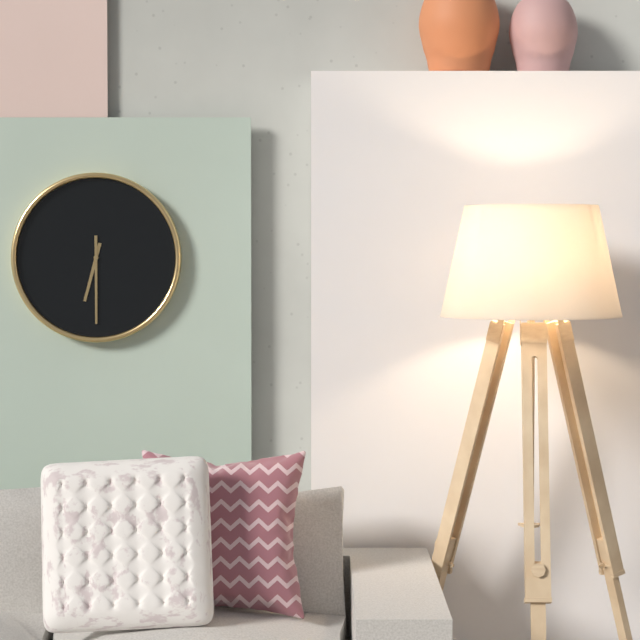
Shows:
{"hour": 6, "minute": 30}
